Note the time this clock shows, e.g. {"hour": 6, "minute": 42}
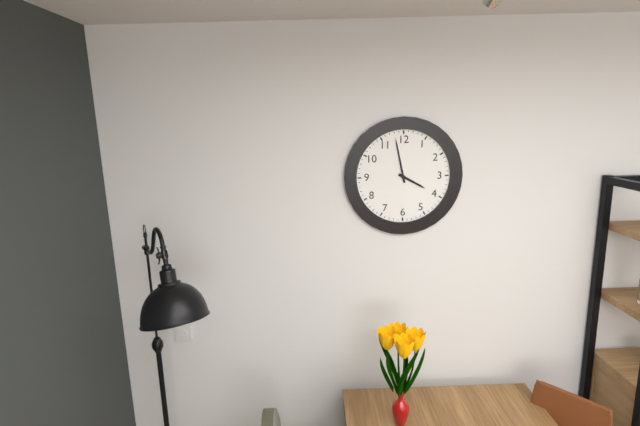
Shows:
{"hour": 3, "minute": 58}
